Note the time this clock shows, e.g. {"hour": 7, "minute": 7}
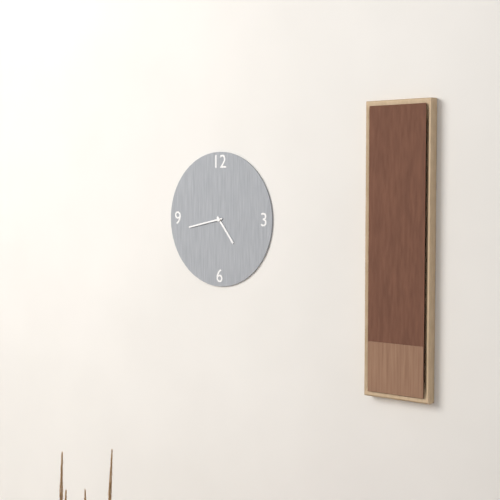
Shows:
{"hour": 4, "minute": 43}
